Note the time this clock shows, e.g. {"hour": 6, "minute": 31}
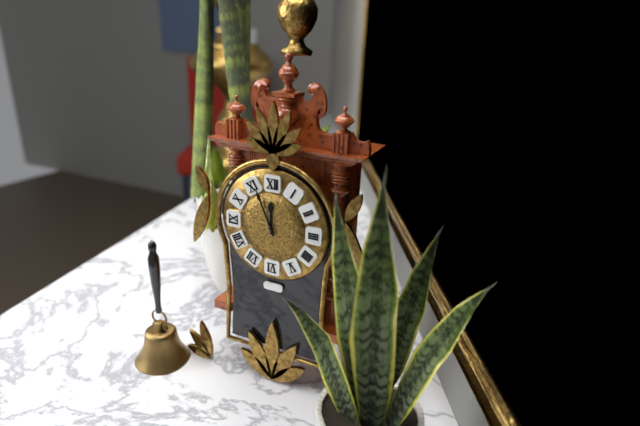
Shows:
{"hour": 11, "minute": 56}
